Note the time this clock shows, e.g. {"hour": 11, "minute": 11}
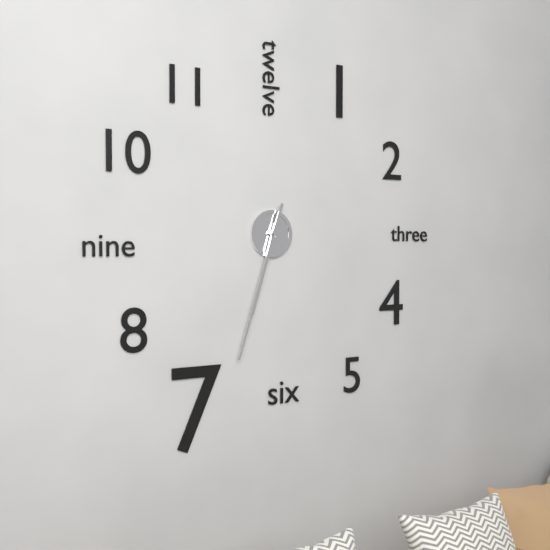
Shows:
{"hour": 6, "minute": 33}
